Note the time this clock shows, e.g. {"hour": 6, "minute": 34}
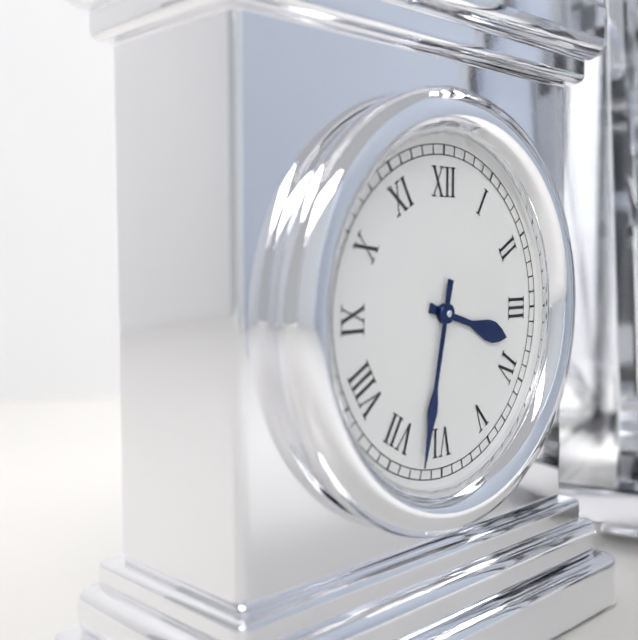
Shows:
{"hour": 3, "minute": 32}
